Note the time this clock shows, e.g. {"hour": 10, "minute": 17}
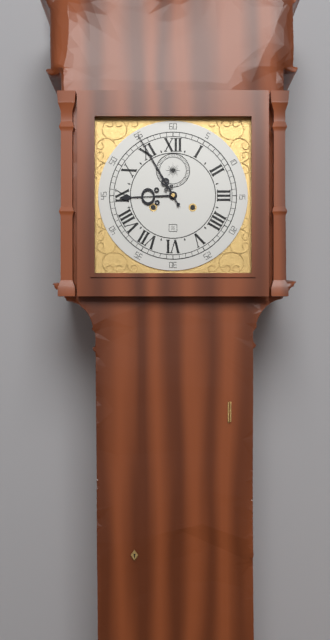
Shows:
{"hour": 8, "minute": 55}
